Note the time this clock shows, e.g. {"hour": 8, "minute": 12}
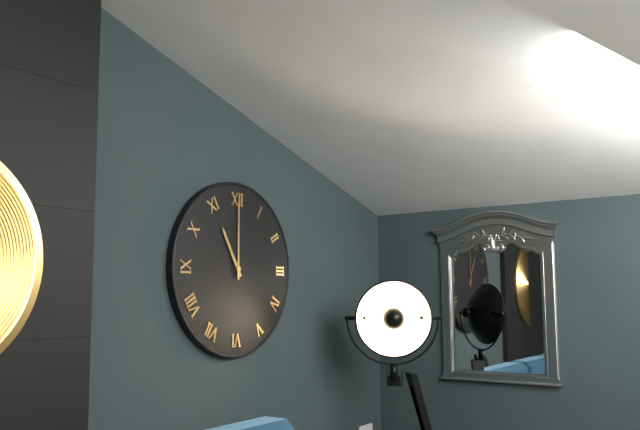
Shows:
{"hour": 11, "minute": 0}
